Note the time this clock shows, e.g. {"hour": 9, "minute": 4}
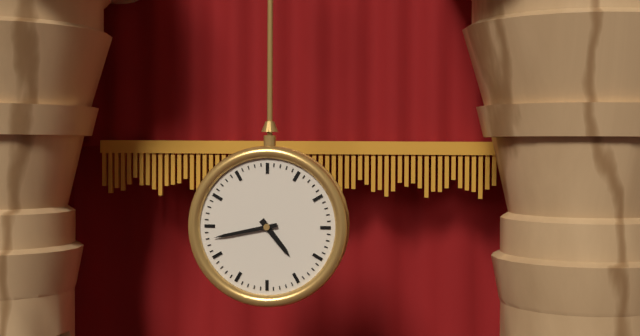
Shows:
{"hour": 4, "minute": 43}
